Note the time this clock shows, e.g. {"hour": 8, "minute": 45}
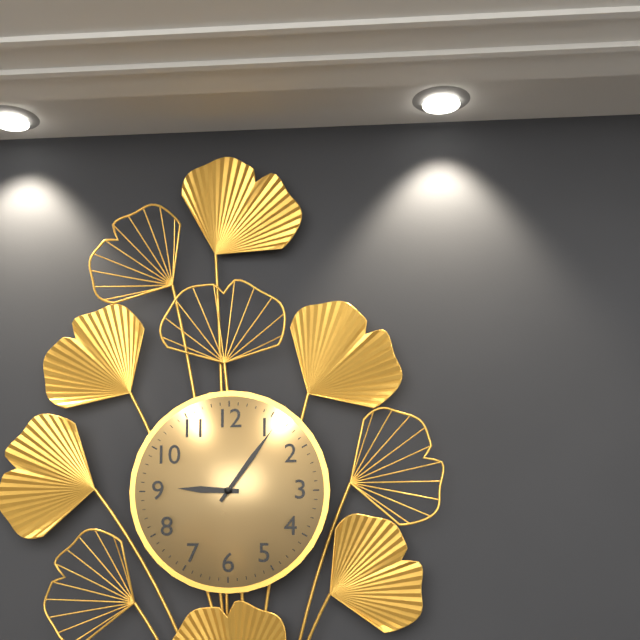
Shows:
{"hour": 9, "minute": 6}
